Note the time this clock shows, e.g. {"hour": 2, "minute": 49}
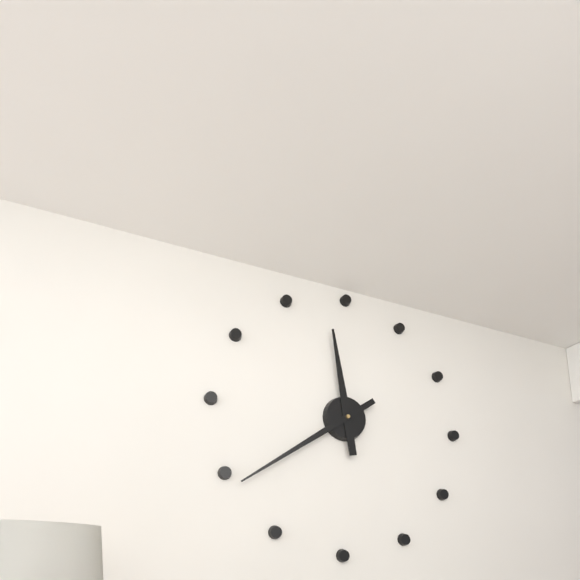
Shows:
{"hour": 11, "minute": 39}
